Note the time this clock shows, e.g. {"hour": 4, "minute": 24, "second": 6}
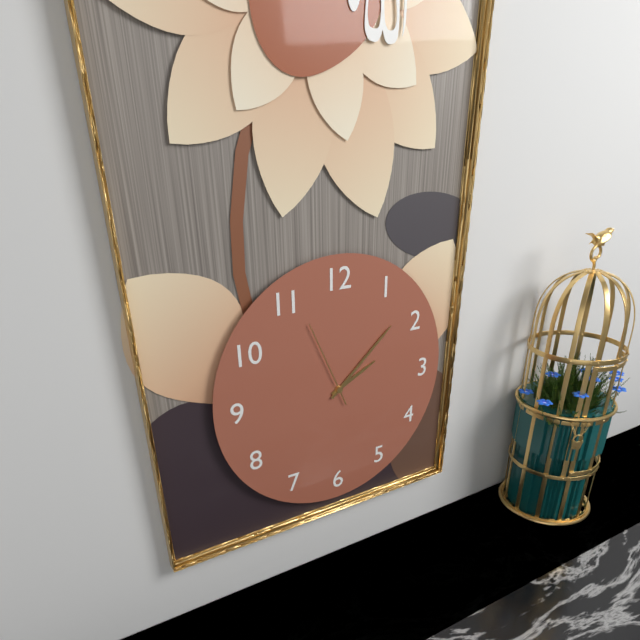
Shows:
{"hour": 2, "minute": 8, "second": 56}
